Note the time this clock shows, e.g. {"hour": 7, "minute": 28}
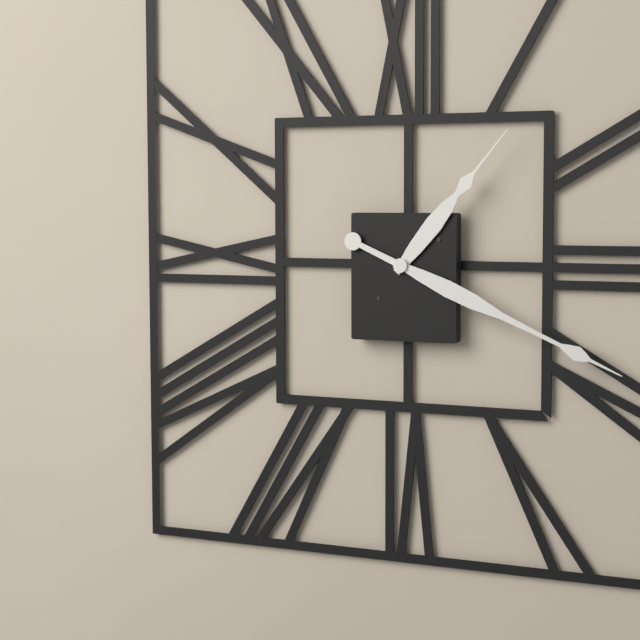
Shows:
{"hour": 1, "minute": 19}
